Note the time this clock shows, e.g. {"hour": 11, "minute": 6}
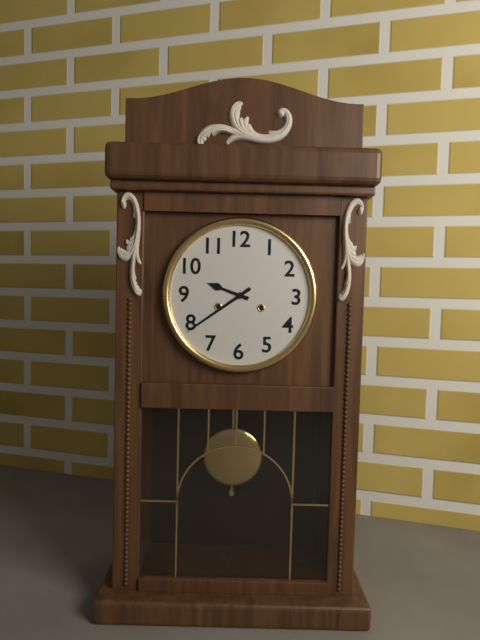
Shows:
{"hour": 9, "minute": 39}
